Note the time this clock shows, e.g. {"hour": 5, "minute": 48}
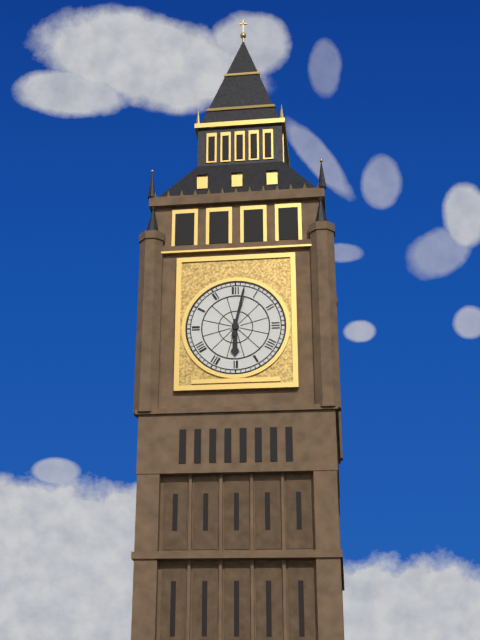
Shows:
{"hour": 6, "minute": 2}
